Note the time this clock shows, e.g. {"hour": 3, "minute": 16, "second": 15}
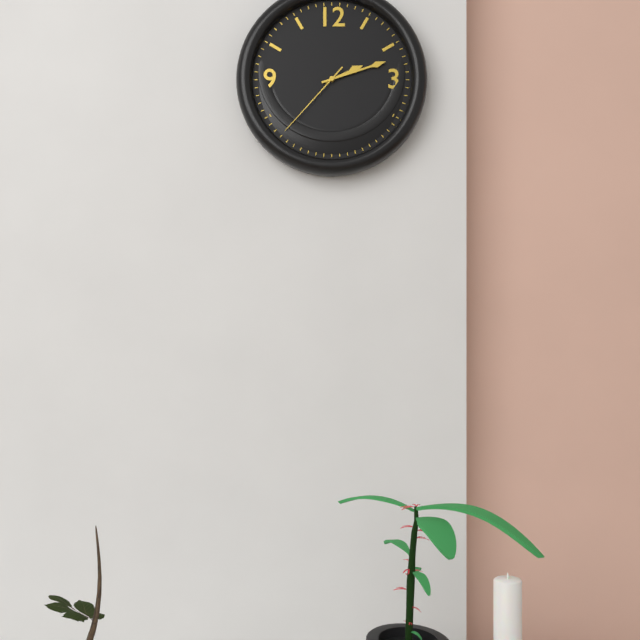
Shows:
{"hour": 2, "minute": 12, "second": 37}
